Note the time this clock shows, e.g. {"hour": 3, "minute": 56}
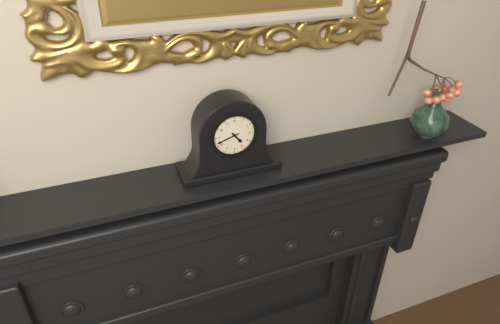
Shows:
{"hour": 4, "minute": 42}
